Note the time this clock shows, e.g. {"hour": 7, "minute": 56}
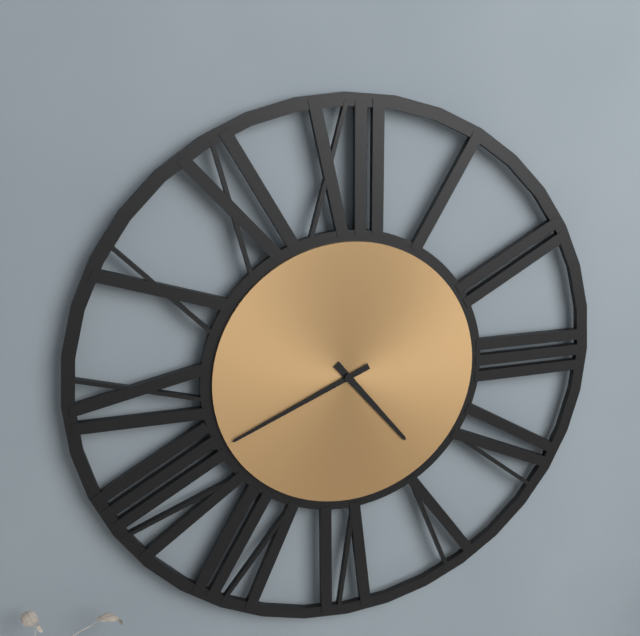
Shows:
{"hour": 4, "minute": 41}
